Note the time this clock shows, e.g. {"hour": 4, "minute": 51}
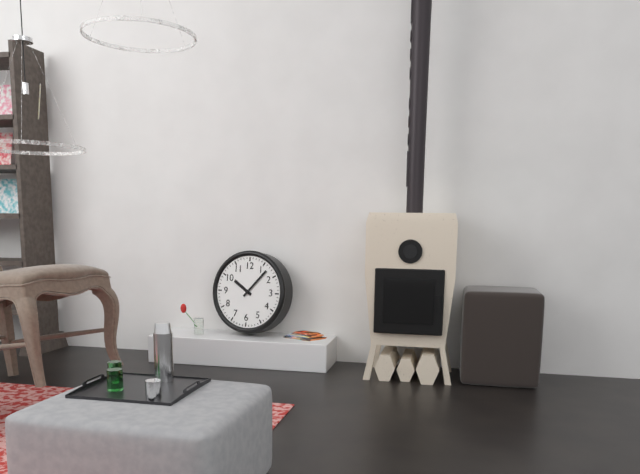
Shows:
{"hour": 10, "minute": 7}
